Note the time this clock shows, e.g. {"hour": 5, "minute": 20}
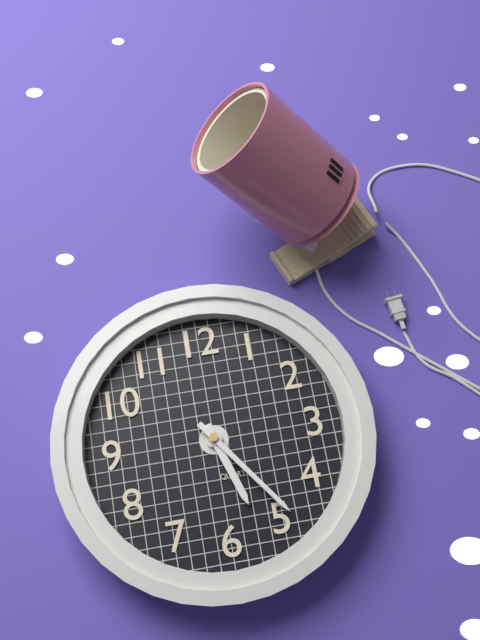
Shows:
{"hour": 5, "minute": 24}
